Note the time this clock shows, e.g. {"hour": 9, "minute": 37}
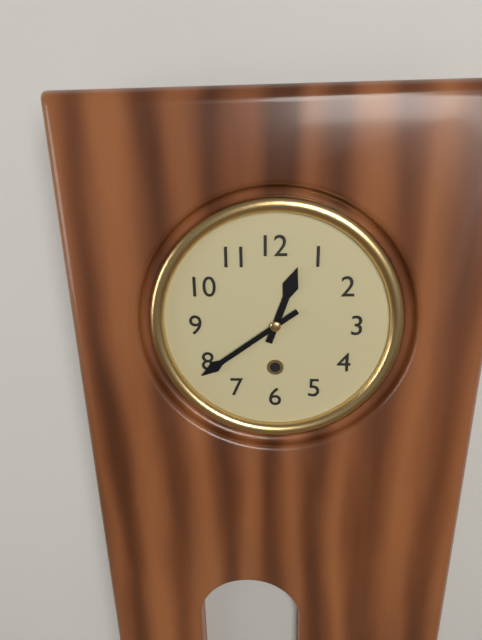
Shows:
{"hour": 12, "minute": 39}
